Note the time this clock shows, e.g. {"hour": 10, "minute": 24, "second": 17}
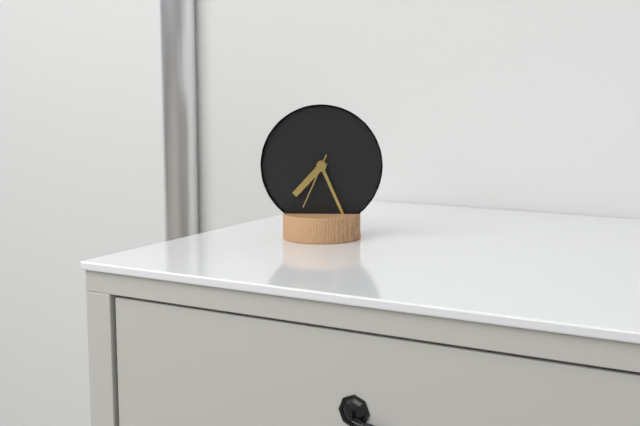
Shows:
{"hour": 7, "minute": 26, "second": 34}
